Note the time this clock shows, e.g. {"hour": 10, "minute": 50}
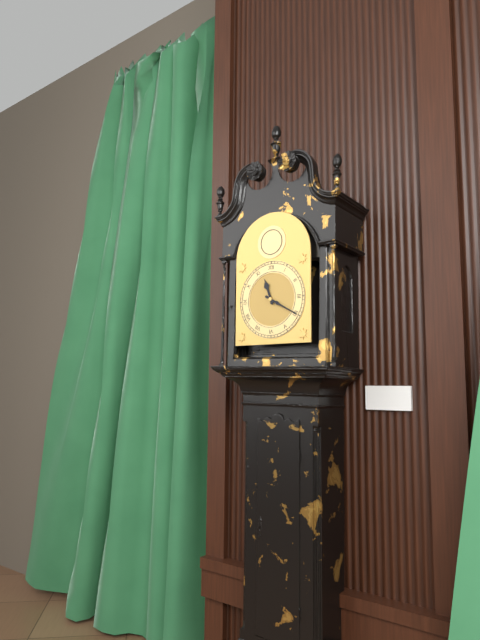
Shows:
{"hour": 11, "minute": 20}
